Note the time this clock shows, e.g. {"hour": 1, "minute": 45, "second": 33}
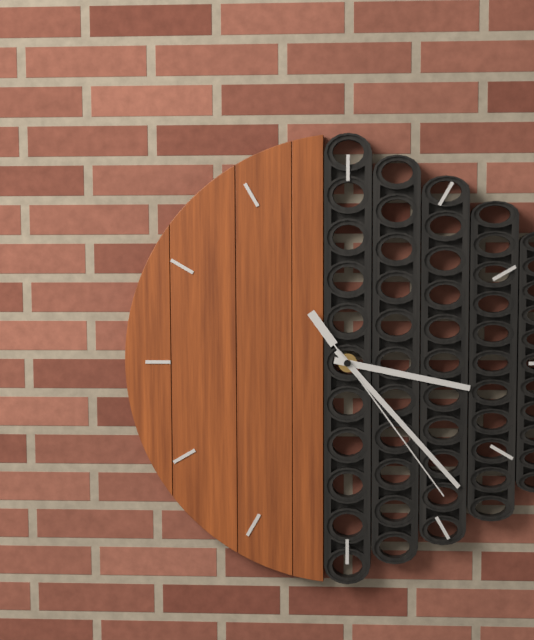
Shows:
{"hour": 3, "minute": 23, "second": 24}
